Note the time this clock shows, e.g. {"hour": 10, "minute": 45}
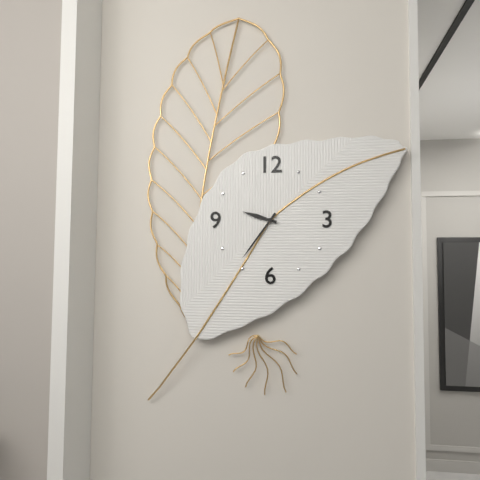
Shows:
{"hour": 9, "minute": 36}
